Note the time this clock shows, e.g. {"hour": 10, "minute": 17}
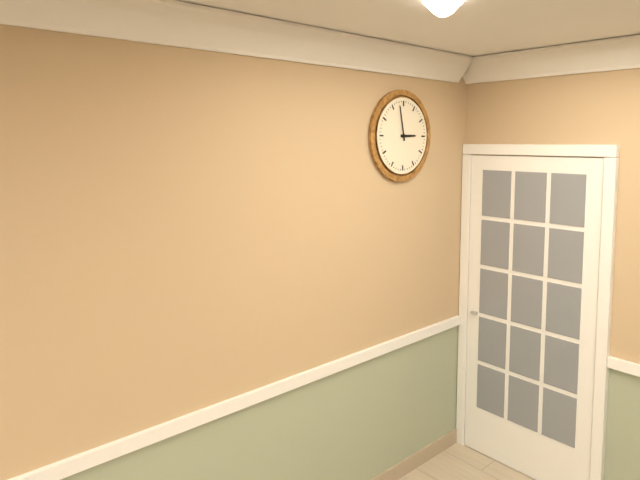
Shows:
{"hour": 2, "minute": 58}
